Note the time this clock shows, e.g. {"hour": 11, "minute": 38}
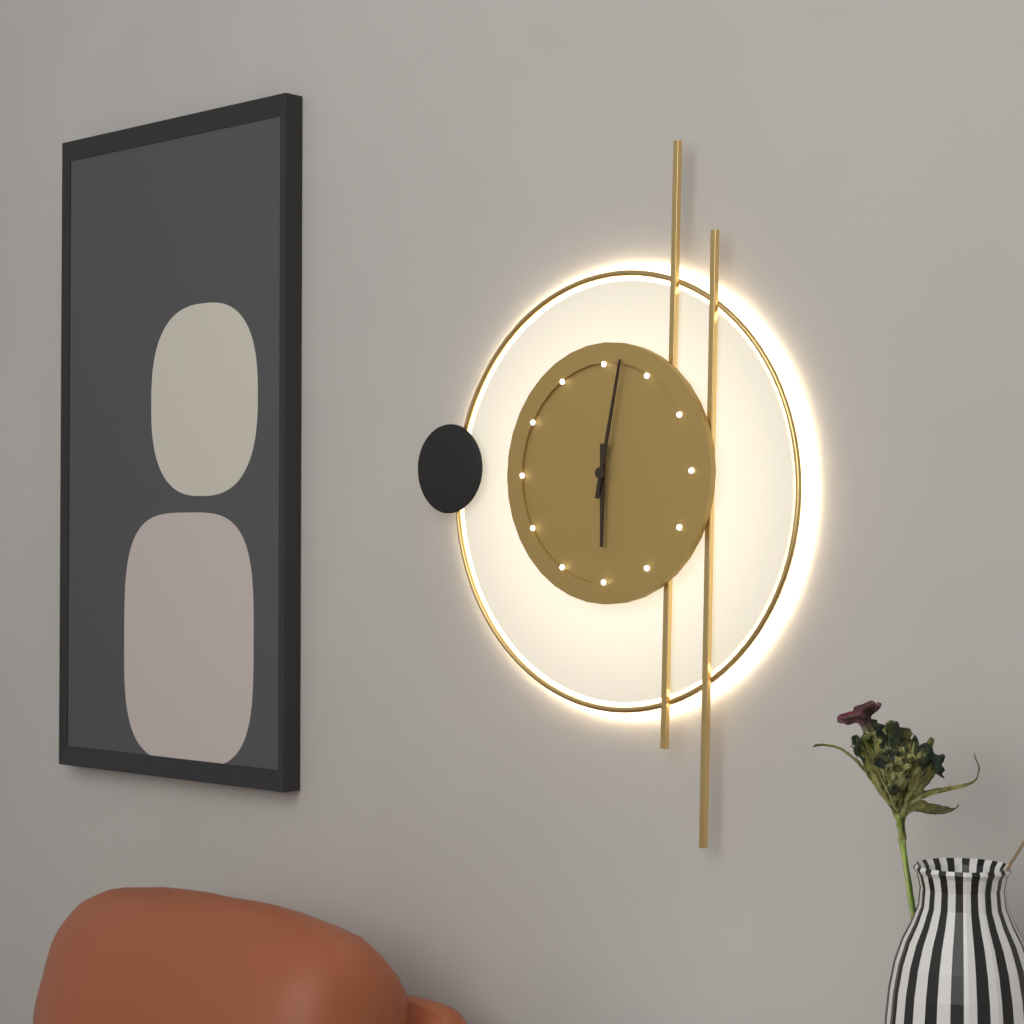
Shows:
{"hour": 6, "minute": 2}
